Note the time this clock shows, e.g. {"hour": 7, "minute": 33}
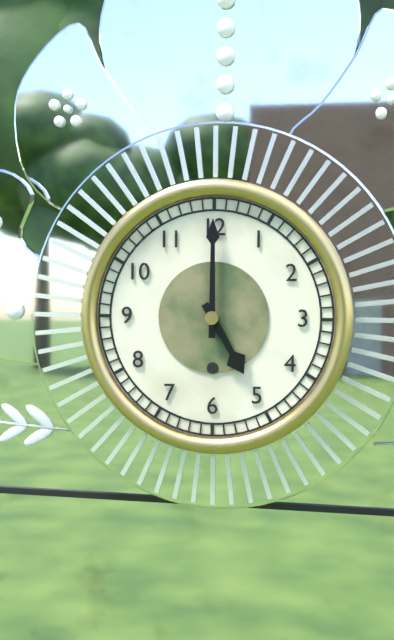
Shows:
{"hour": 5, "minute": 0}
